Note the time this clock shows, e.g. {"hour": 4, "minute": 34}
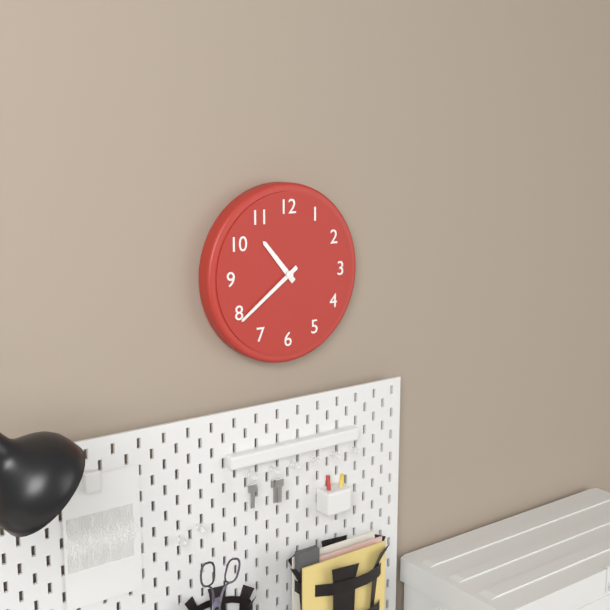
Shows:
{"hour": 10, "minute": 39}
